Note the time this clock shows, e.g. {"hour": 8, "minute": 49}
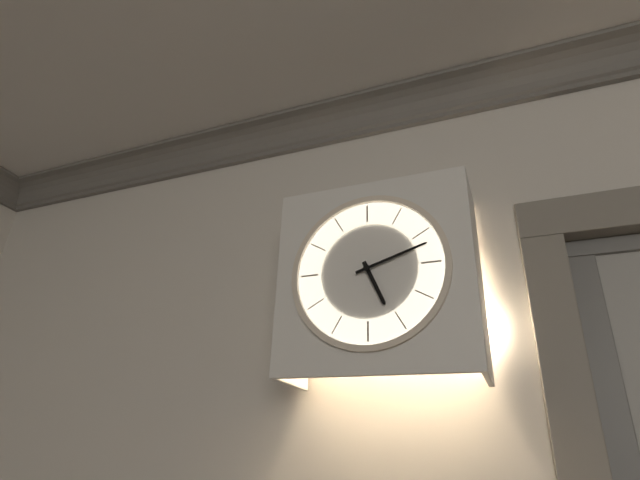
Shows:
{"hour": 5, "minute": 12}
